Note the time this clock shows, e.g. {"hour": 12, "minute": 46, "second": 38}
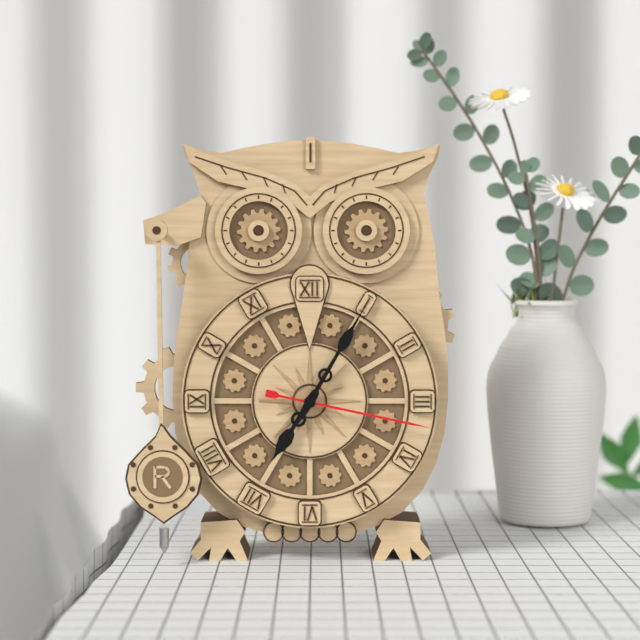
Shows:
{"hour": 7, "minute": 5, "second": 17}
